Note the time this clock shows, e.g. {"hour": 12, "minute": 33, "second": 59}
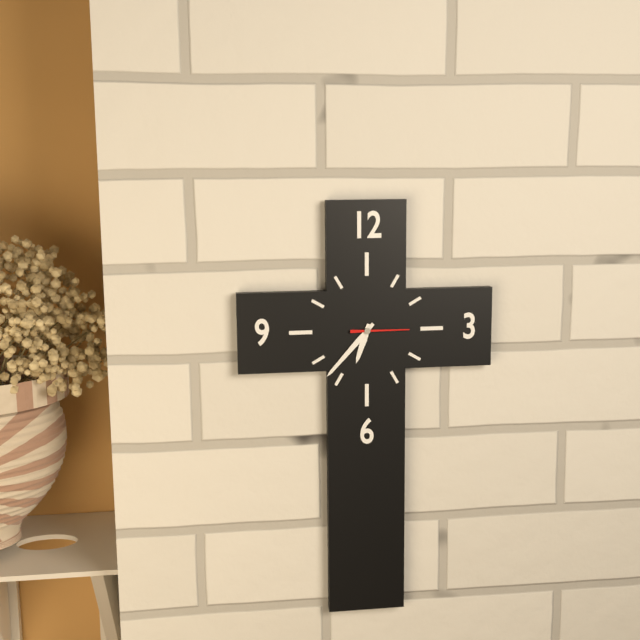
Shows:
{"hour": 6, "minute": 37, "second": 15}
